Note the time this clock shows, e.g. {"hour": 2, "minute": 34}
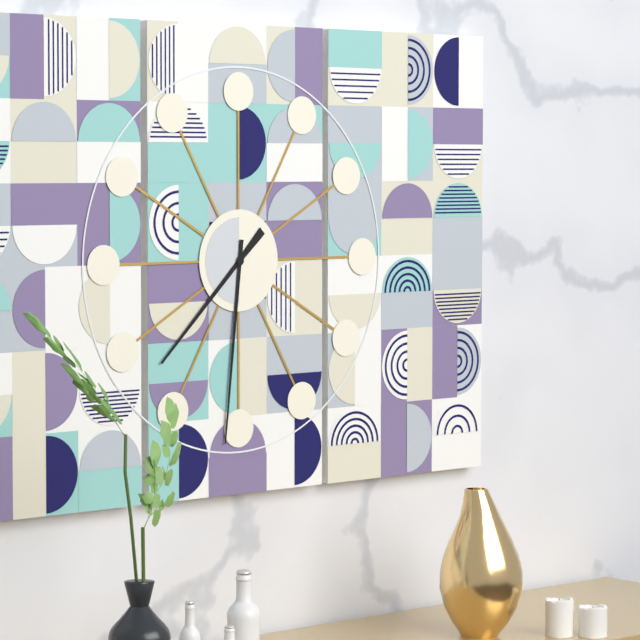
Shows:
{"hour": 7, "minute": 31}
